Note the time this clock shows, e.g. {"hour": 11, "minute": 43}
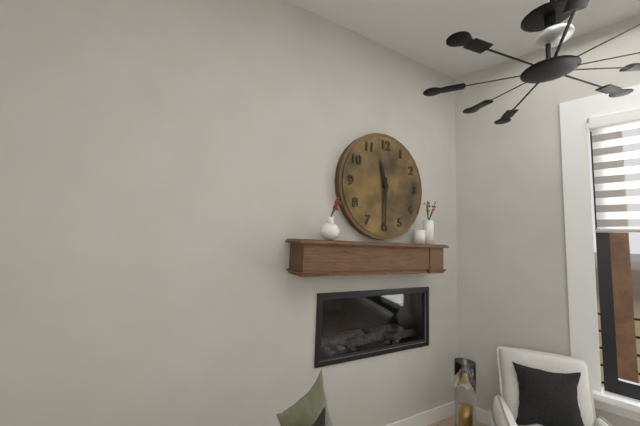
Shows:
{"hour": 11, "minute": 30}
